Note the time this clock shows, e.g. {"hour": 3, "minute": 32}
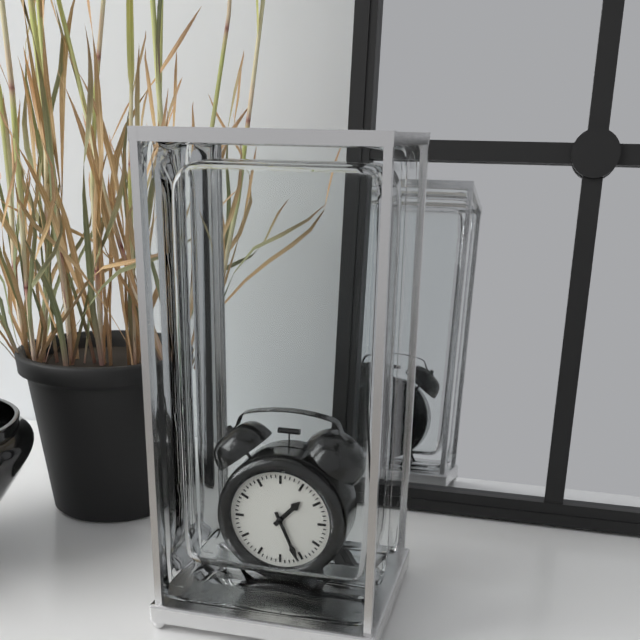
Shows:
{"hour": 1, "minute": 26}
